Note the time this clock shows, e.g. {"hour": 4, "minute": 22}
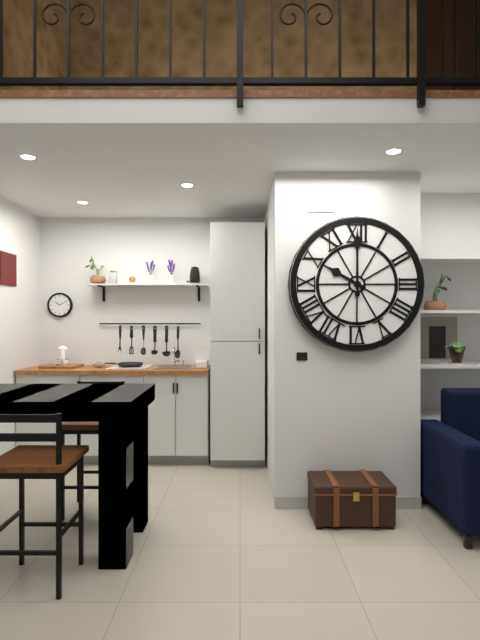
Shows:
{"hour": 10, "minute": 0}
